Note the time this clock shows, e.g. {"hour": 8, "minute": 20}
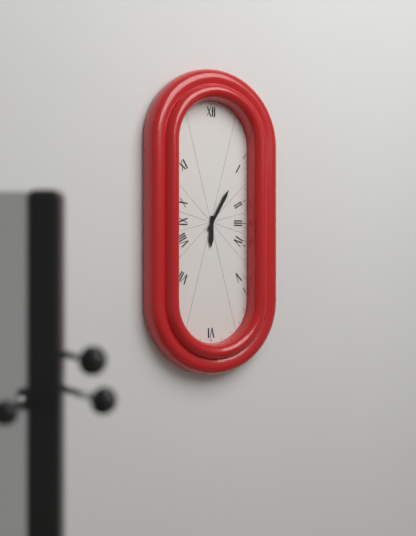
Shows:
{"hour": 6, "minute": 5}
